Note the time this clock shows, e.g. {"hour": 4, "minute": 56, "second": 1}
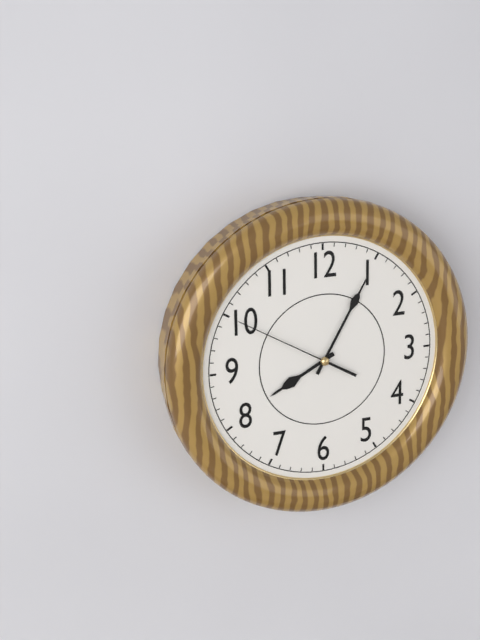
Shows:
{"hour": 8, "minute": 5, "second": 50}
